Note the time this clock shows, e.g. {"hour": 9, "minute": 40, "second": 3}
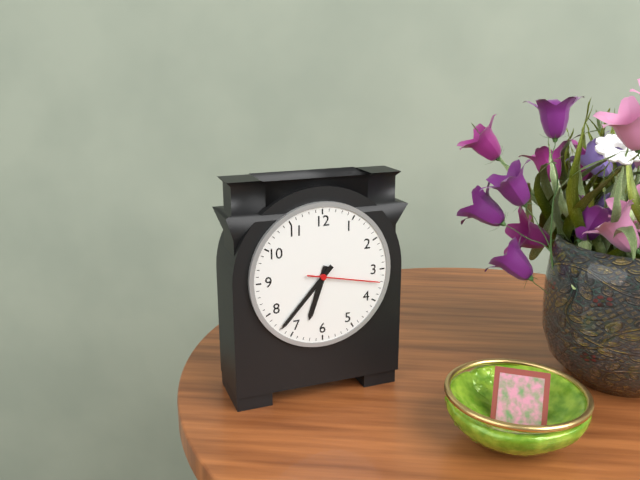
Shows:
{"hour": 6, "minute": 37, "second": 17}
